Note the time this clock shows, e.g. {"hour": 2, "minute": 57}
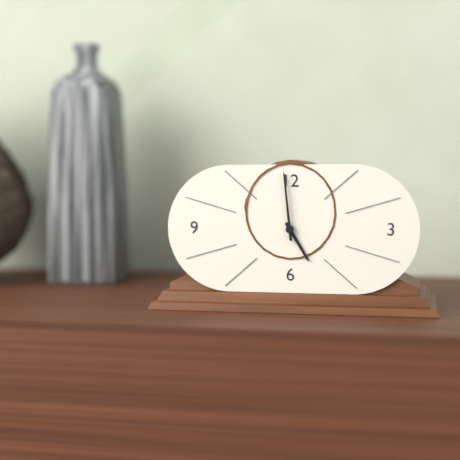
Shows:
{"hour": 4, "minute": 59}
